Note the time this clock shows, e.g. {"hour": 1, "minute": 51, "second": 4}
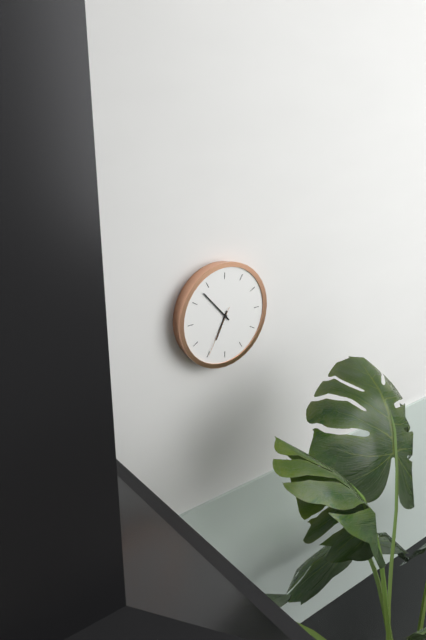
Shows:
{"hour": 6, "minute": 53, "second": 35}
